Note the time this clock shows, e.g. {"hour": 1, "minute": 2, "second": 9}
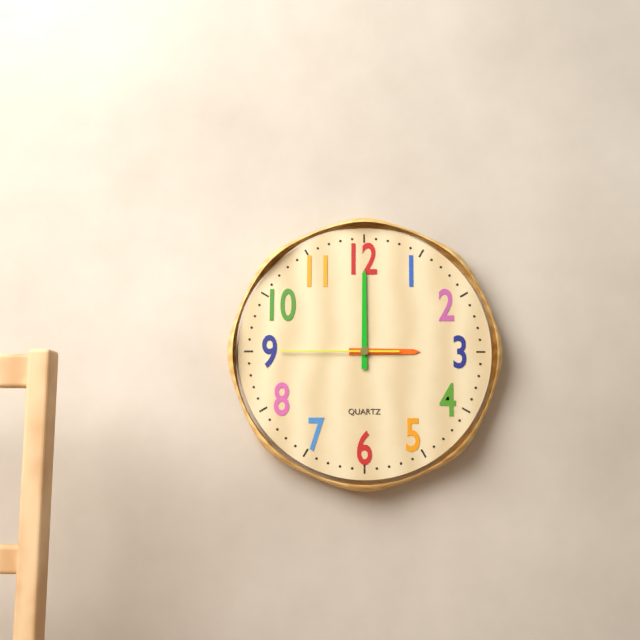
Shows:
{"hour": 3, "minute": 0, "second": 45}
